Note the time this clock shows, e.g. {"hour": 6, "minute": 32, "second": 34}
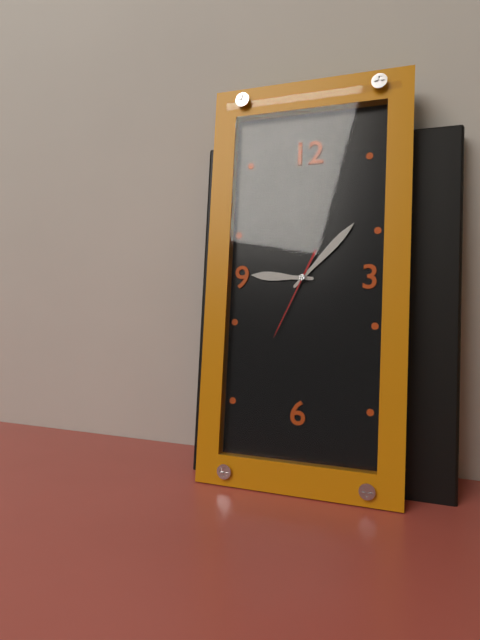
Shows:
{"hour": 9, "minute": 7, "second": 34}
